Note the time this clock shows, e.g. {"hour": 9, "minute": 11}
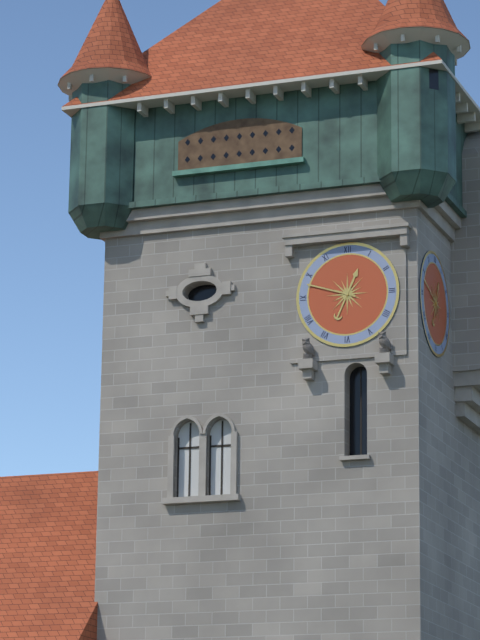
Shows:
{"hour": 12, "minute": 48}
